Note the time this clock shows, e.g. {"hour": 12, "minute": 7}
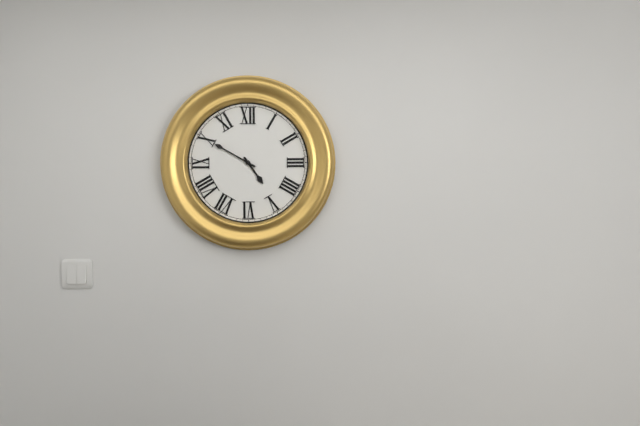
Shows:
{"hour": 4, "minute": 50}
